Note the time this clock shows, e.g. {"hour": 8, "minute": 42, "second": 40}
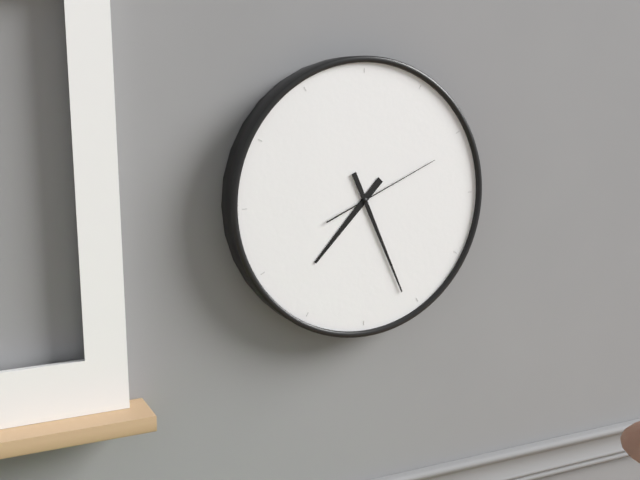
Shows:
{"hour": 7, "minute": 26, "second": 11}
